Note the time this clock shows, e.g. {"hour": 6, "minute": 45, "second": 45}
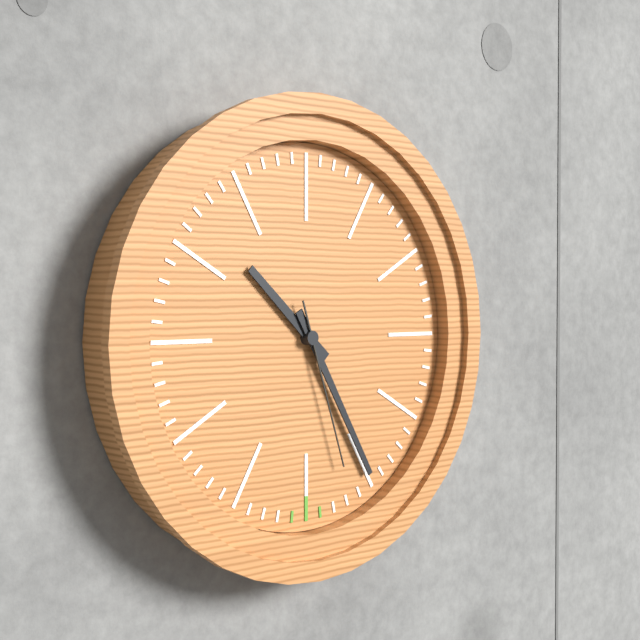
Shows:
{"hour": 10, "minute": 25, "second": 27}
